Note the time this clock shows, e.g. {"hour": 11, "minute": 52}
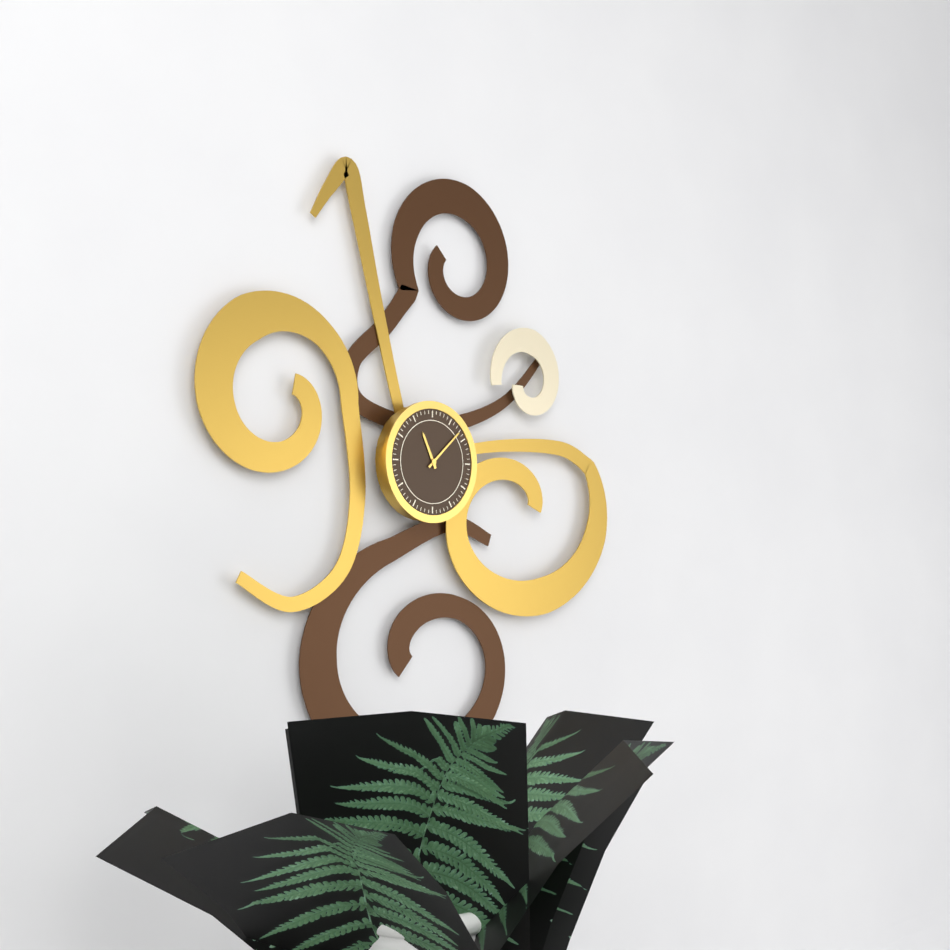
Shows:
{"hour": 11, "minute": 8}
